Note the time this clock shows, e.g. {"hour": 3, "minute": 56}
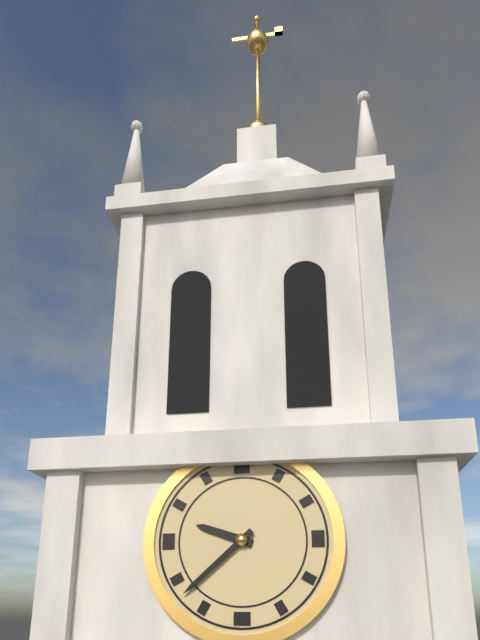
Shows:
{"hour": 9, "minute": 38}
